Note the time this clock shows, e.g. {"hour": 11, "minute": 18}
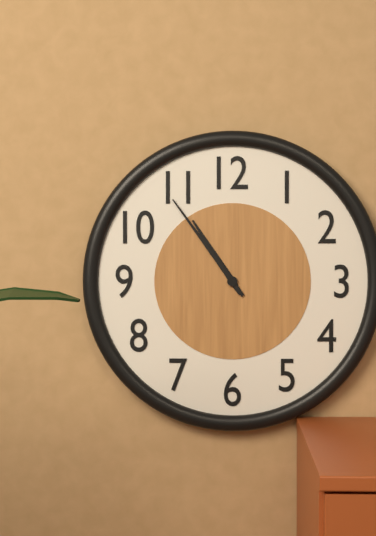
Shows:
{"hour": 10, "minute": 54}
